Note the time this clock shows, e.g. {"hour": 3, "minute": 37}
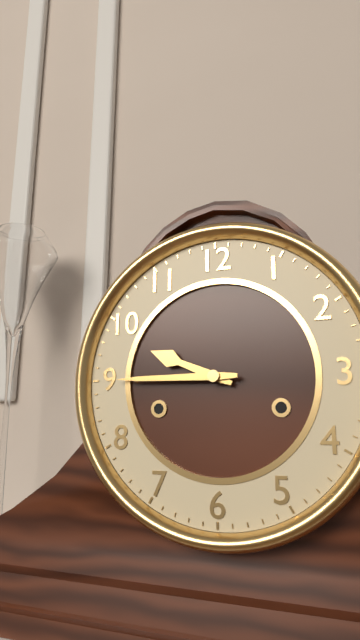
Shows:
{"hour": 9, "minute": 45}
